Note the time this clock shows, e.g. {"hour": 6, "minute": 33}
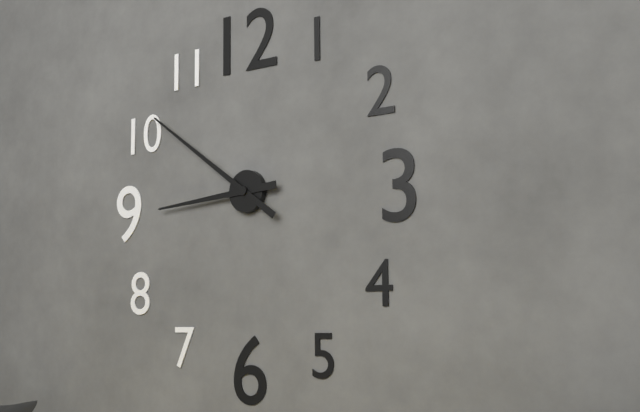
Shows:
{"hour": 8, "minute": 51}
